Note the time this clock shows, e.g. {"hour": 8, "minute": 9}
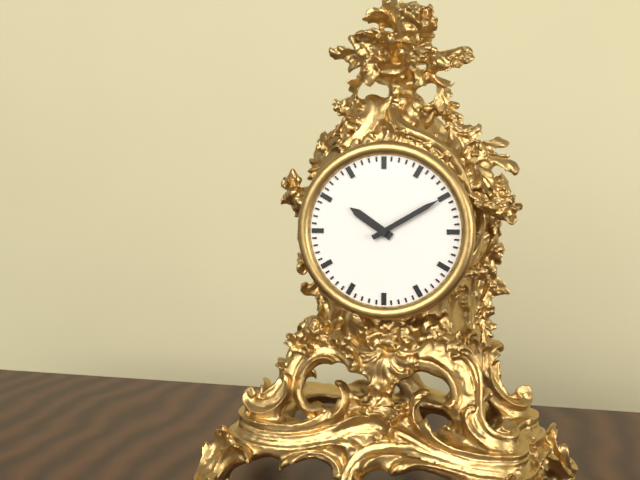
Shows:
{"hour": 10, "minute": 10}
